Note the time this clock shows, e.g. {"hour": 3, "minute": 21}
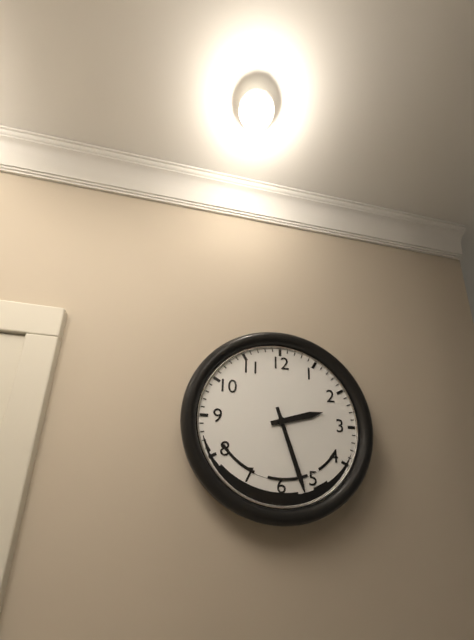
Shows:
{"hour": 2, "minute": 27}
